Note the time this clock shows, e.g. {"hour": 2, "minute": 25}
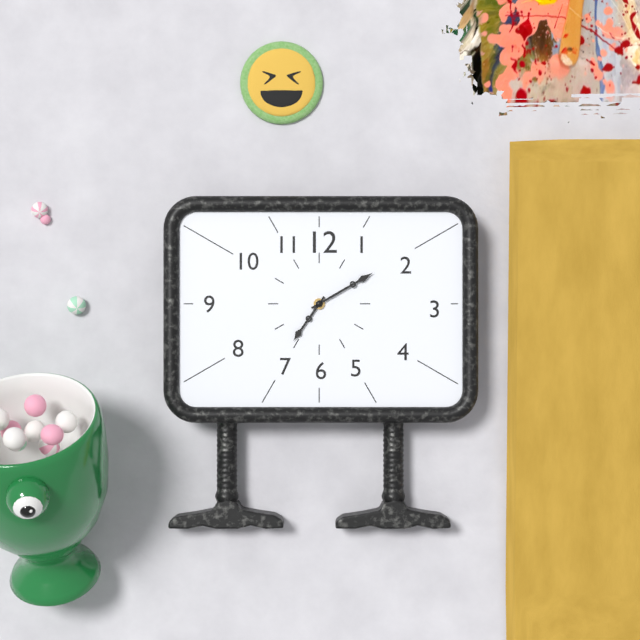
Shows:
{"hour": 7, "minute": 10}
